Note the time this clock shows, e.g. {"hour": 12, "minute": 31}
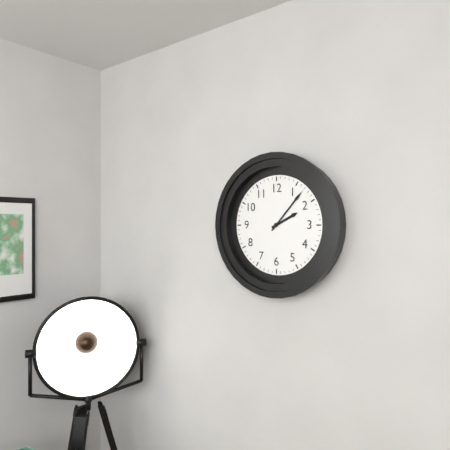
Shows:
{"hour": 2, "minute": 7}
